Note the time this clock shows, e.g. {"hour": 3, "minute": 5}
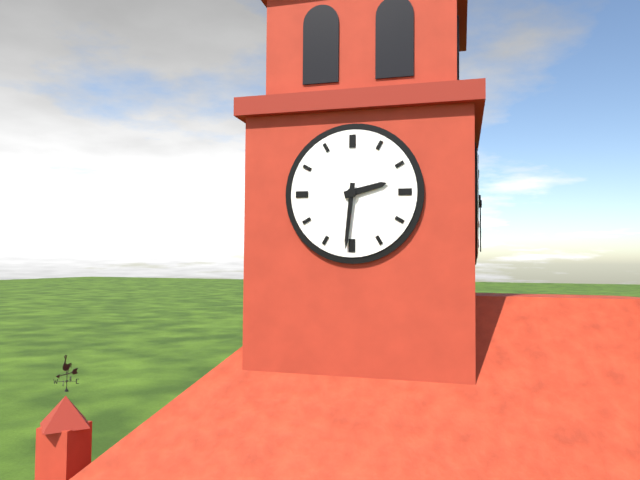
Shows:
{"hour": 2, "minute": 31}
